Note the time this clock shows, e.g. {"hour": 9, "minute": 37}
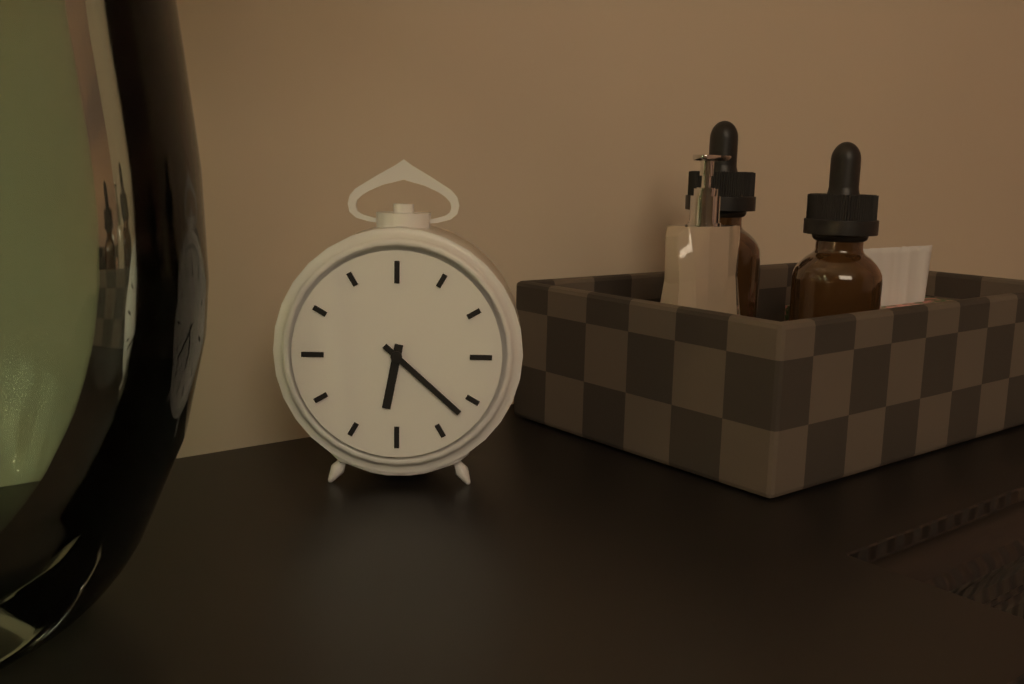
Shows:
{"hour": 6, "minute": 22}
